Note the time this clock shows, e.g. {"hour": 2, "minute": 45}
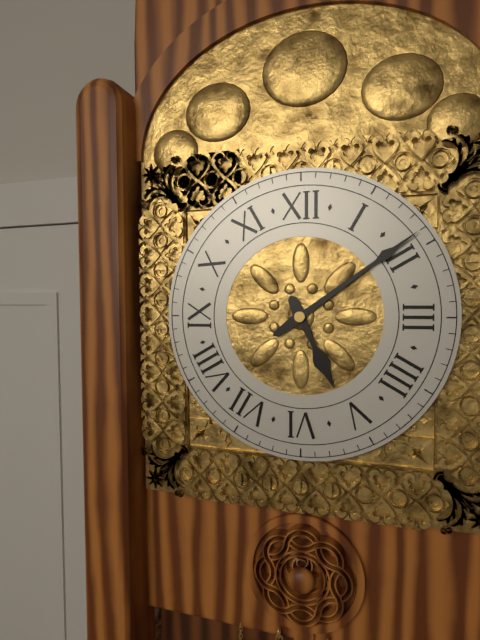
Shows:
{"hour": 5, "minute": 9}
